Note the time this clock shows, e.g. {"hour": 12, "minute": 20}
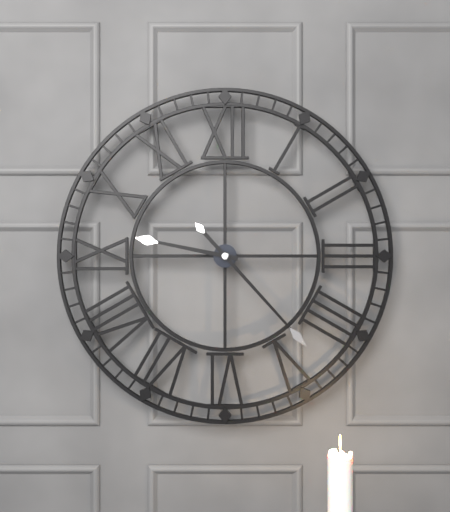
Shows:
{"hour": 9, "minute": 23}
